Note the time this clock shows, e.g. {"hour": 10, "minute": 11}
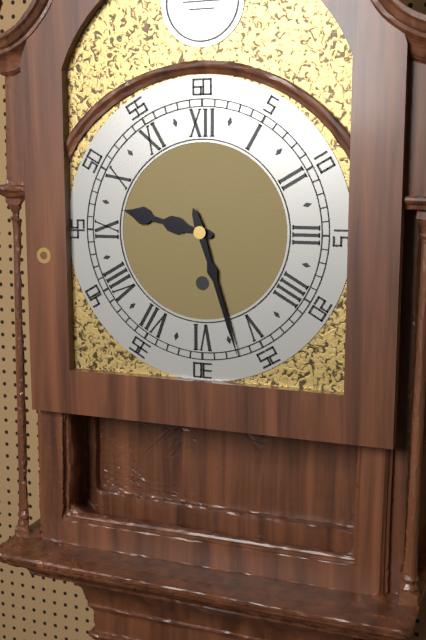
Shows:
{"hour": 9, "minute": 27}
